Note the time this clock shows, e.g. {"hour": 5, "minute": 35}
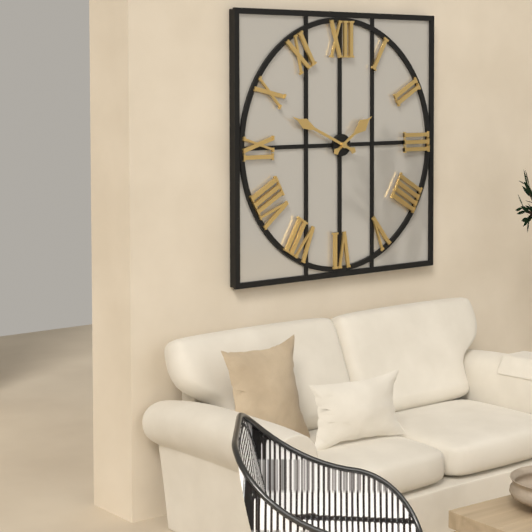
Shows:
{"hour": 1, "minute": 49}
